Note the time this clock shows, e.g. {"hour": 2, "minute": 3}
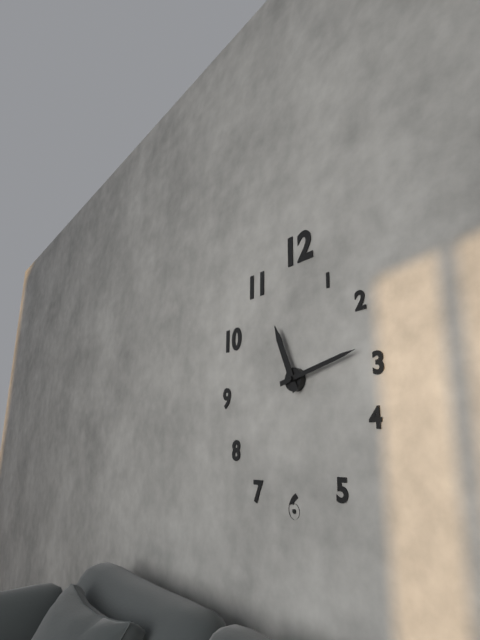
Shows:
{"hour": 11, "minute": 13}
